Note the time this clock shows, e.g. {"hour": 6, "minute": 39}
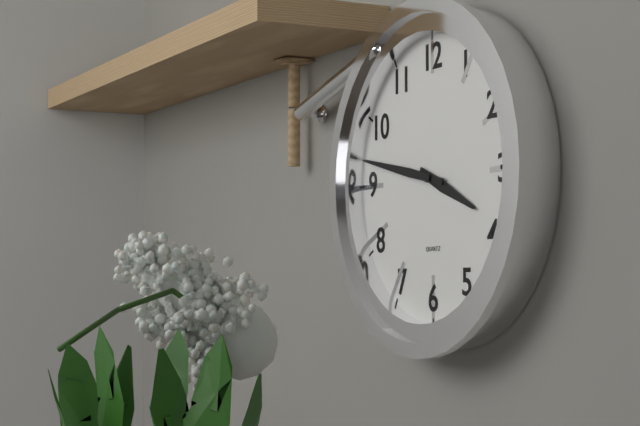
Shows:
{"hour": 3, "minute": 47}
